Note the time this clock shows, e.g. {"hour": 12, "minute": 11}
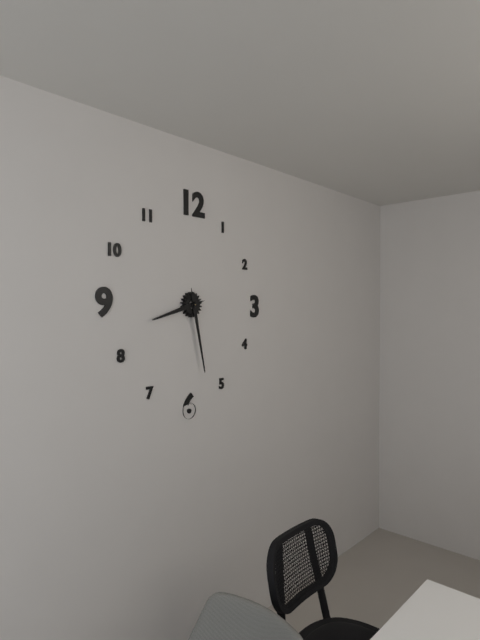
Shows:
{"hour": 8, "minute": 28}
